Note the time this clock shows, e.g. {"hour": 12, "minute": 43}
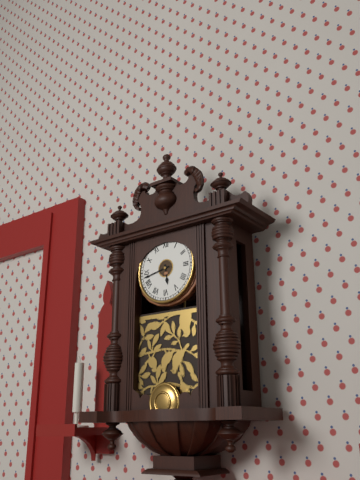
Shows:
{"hour": 5, "minute": 43}
